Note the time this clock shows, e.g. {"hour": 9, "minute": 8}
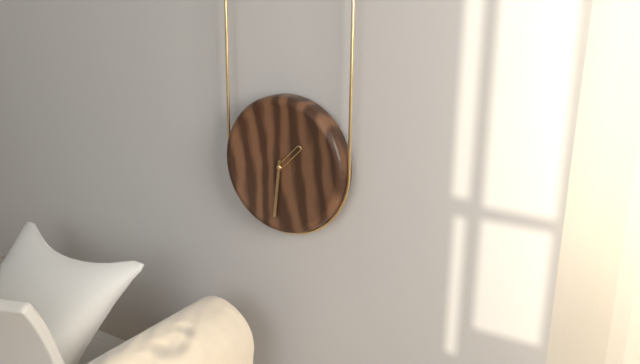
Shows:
{"hour": 1, "minute": 31}
